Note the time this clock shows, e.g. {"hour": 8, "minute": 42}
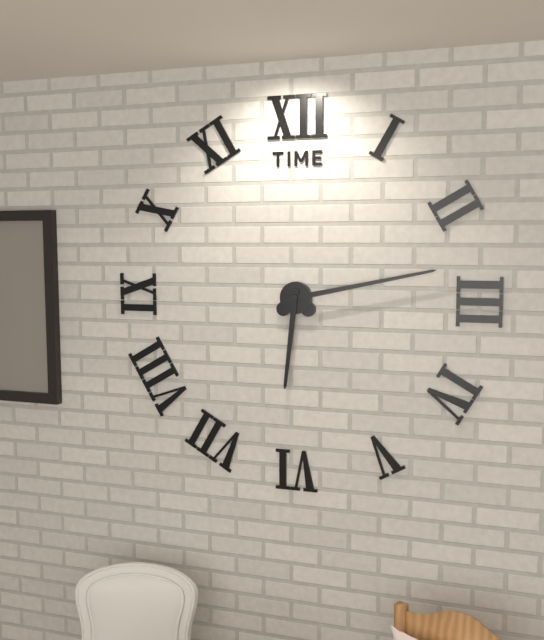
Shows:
{"hour": 6, "minute": 13}
